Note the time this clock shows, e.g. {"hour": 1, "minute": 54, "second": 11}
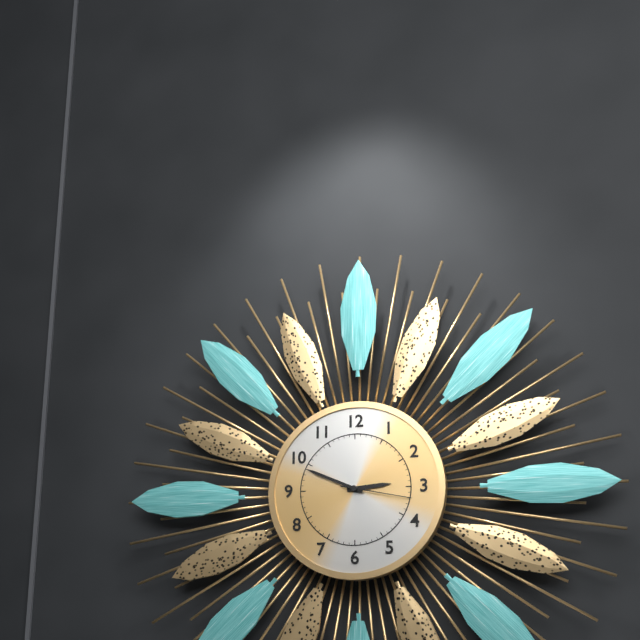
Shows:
{"hour": 2, "minute": 49, "second": 17}
